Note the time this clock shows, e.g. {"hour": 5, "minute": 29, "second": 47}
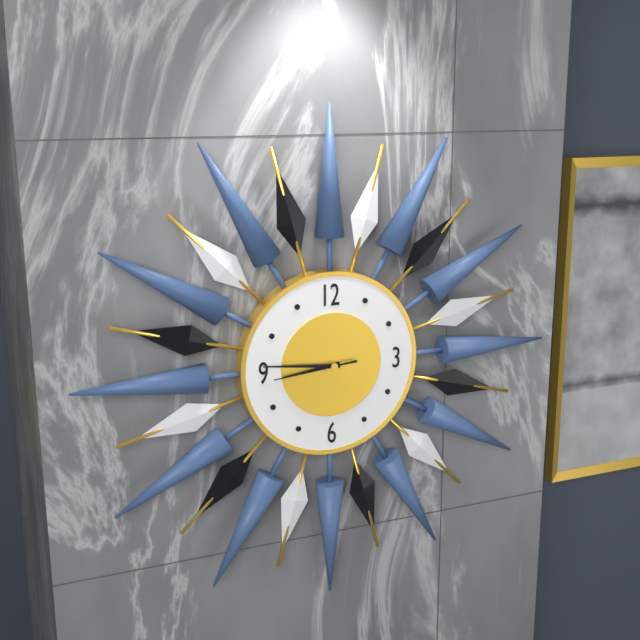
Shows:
{"hour": 8, "minute": 46, "second": 44}
